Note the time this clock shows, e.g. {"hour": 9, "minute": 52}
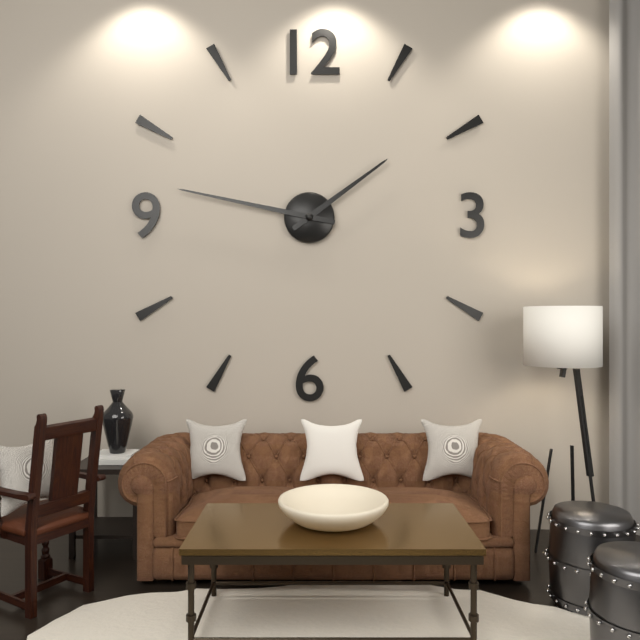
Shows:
{"hour": 1, "minute": 47}
